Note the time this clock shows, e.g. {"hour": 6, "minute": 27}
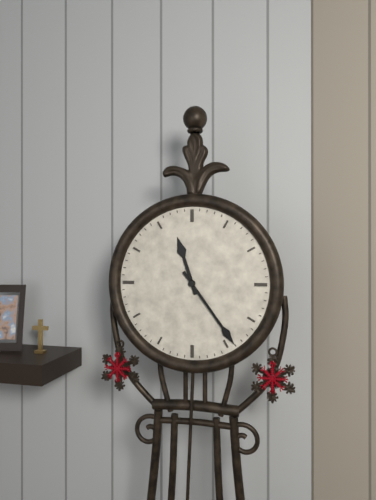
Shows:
{"hour": 11, "minute": 24}
